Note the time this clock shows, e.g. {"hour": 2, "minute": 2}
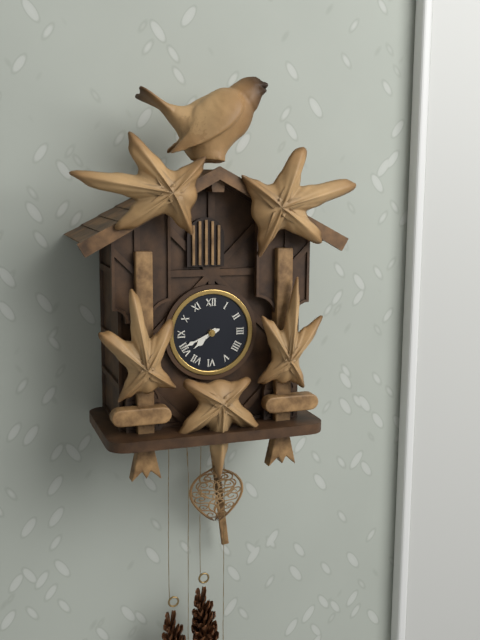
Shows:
{"hour": 7, "minute": 41}
